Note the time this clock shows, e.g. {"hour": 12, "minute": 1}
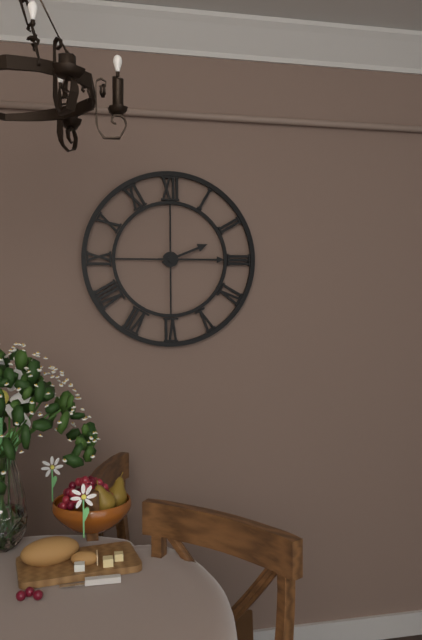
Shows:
{"hour": 2, "minute": 15}
